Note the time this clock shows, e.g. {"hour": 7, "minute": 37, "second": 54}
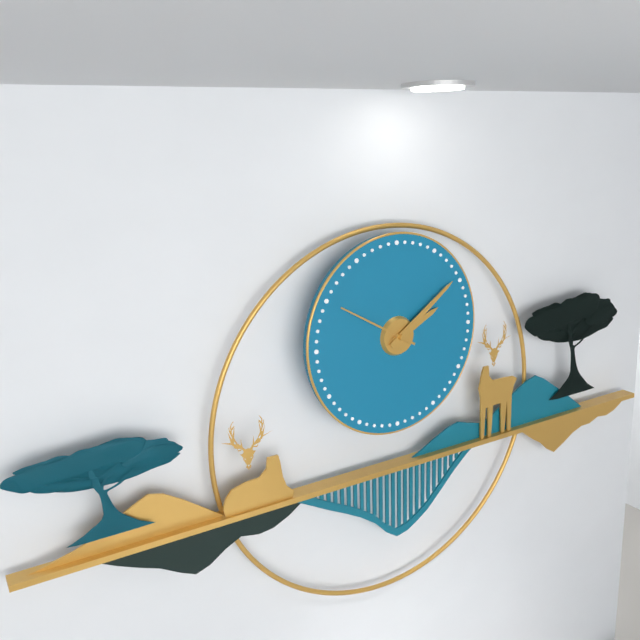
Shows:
{"hour": 2, "minute": 9, "second": 50}
